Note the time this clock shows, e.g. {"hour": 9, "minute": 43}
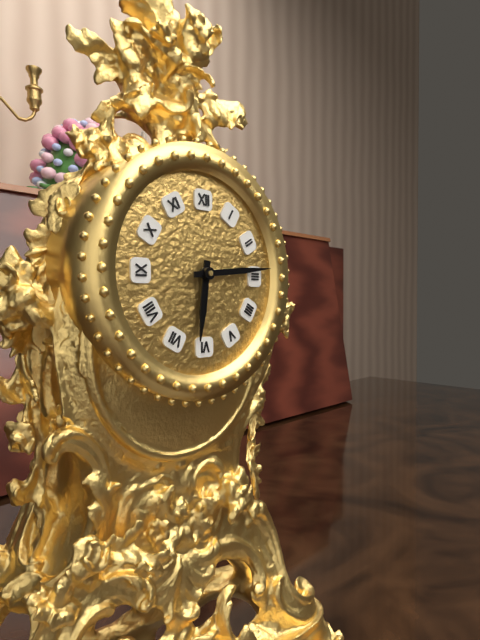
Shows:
{"hour": 6, "minute": 14}
